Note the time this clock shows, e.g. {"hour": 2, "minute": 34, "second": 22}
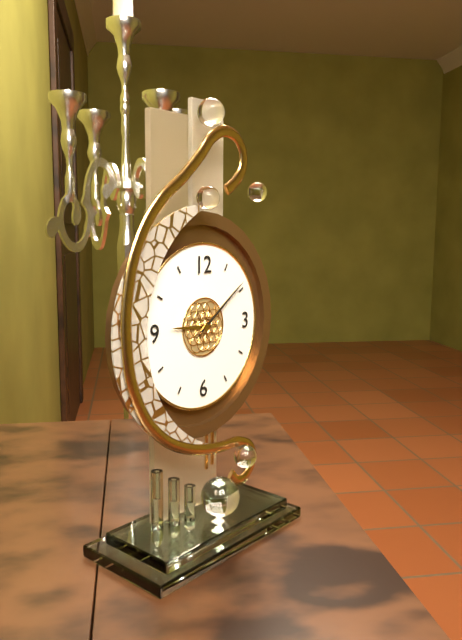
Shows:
{"hour": 9, "minute": 9, "second": 9}
